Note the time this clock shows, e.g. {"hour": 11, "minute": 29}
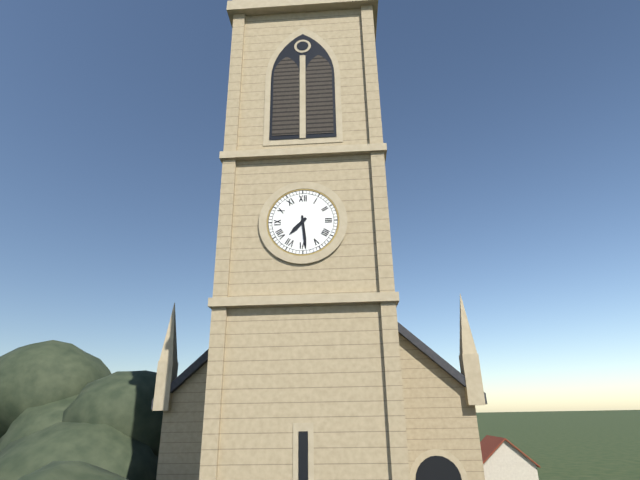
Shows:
{"hour": 7, "minute": 29}
